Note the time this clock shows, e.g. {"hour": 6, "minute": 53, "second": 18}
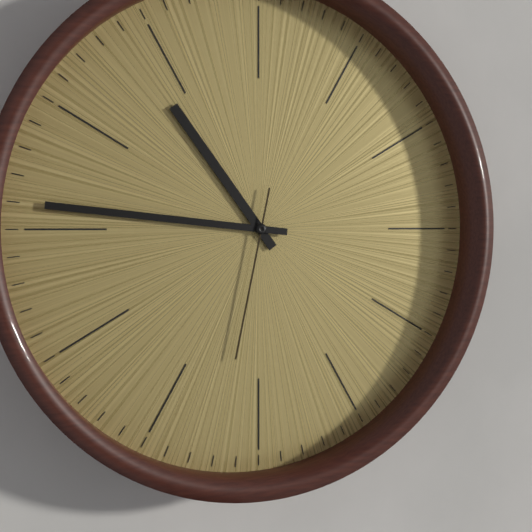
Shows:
{"hour": 10, "minute": 46, "second": 32}
